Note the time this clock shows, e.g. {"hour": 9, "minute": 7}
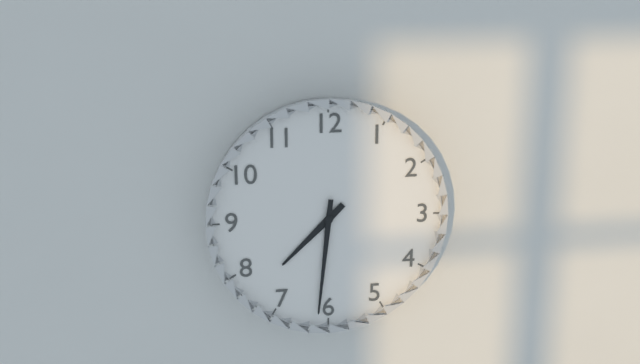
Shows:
{"hour": 7, "minute": 31}
